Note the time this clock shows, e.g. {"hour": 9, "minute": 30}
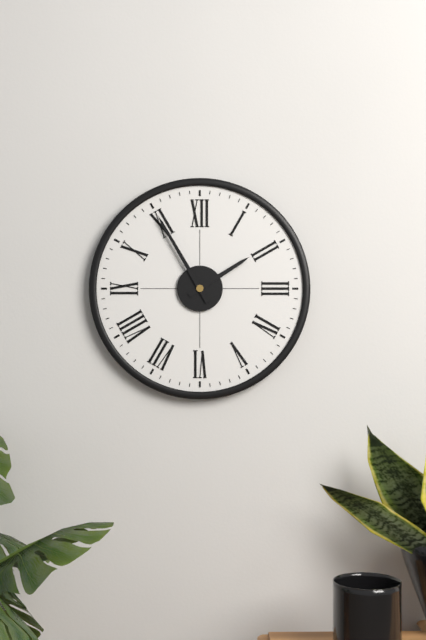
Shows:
{"hour": 1, "minute": 55}
